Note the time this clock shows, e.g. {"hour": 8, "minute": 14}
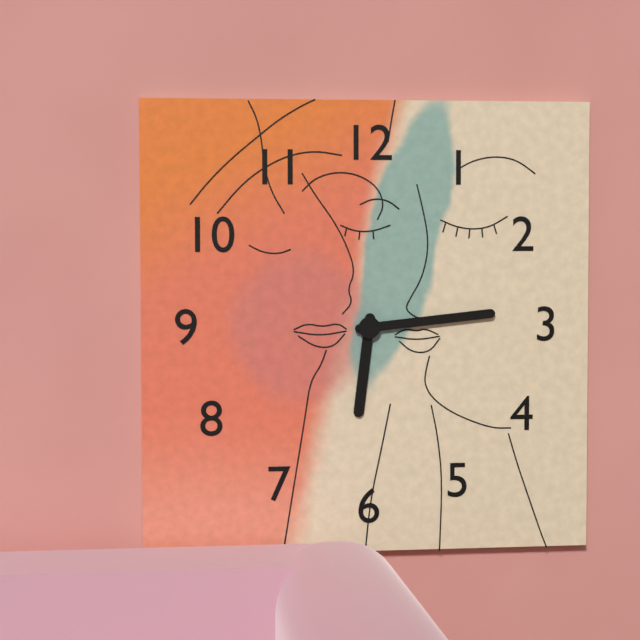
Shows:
{"hour": 6, "minute": 14}
